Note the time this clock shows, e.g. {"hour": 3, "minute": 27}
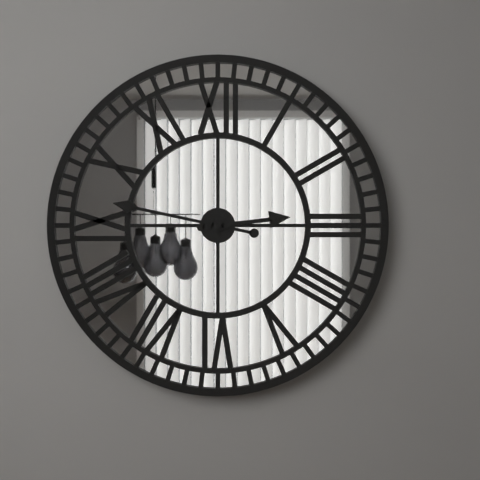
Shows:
{"hour": 2, "minute": 47}
